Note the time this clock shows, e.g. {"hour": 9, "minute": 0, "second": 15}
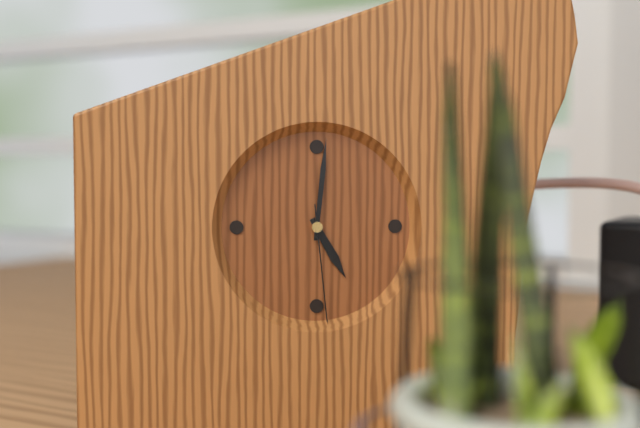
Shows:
{"hour": 5, "minute": 1, "second": 29}
